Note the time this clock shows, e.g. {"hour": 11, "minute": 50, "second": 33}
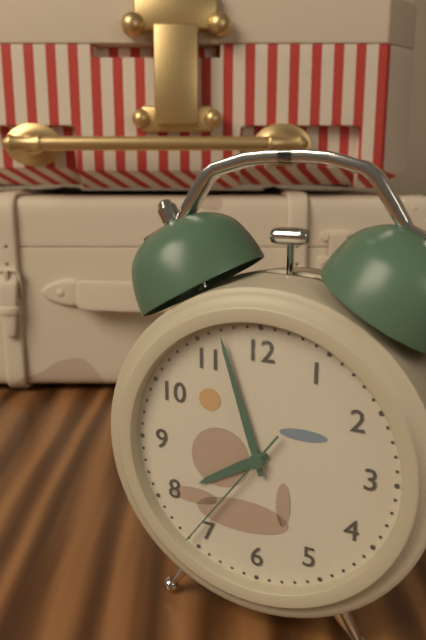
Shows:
{"hour": 7, "minute": 57, "second": 36}
